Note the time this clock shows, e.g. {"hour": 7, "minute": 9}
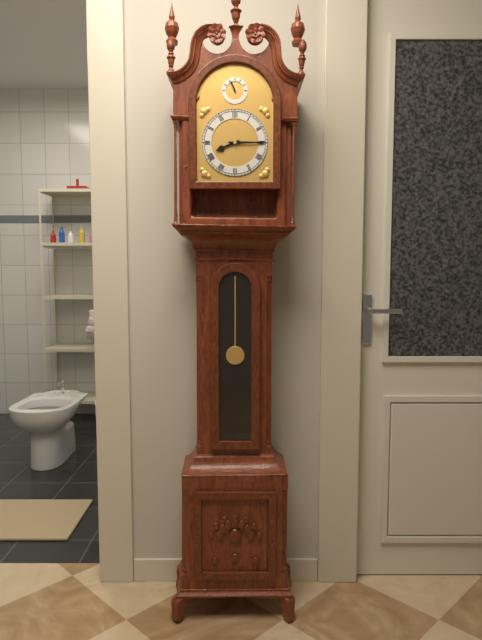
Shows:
{"hour": 8, "minute": 15}
